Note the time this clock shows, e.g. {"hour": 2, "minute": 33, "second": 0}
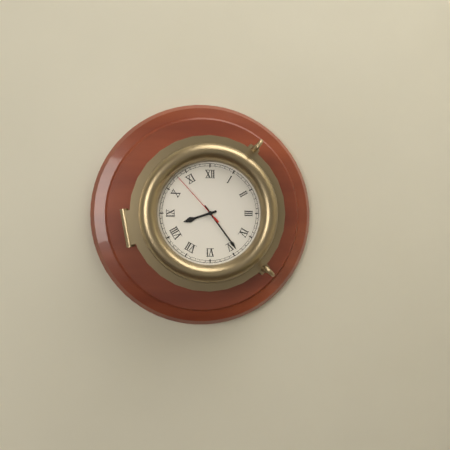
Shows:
{"hour": 8, "minute": 24, "second": 53}
